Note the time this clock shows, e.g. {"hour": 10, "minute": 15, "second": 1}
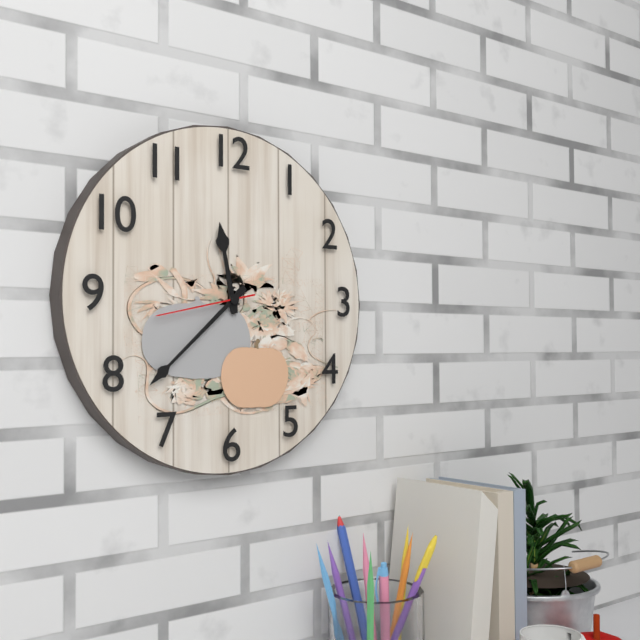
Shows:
{"hour": 11, "minute": 38, "second": 43}
